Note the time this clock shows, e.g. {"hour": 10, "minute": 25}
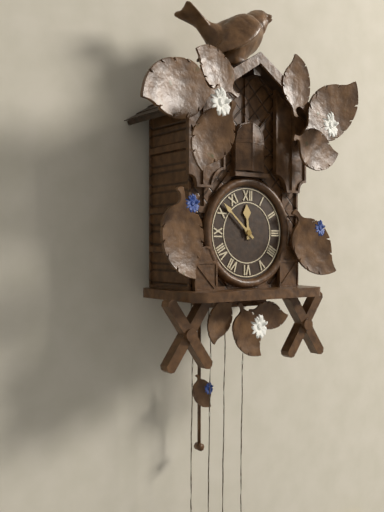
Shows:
{"hour": 11, "minute": 52}
